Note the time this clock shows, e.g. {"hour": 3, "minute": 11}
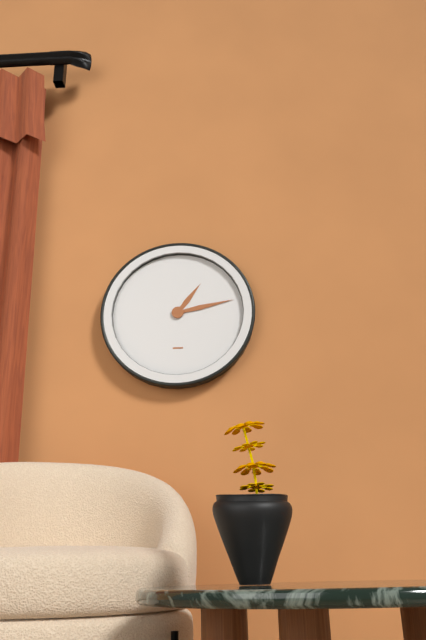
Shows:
{"hour": 1, "minute": 13}
